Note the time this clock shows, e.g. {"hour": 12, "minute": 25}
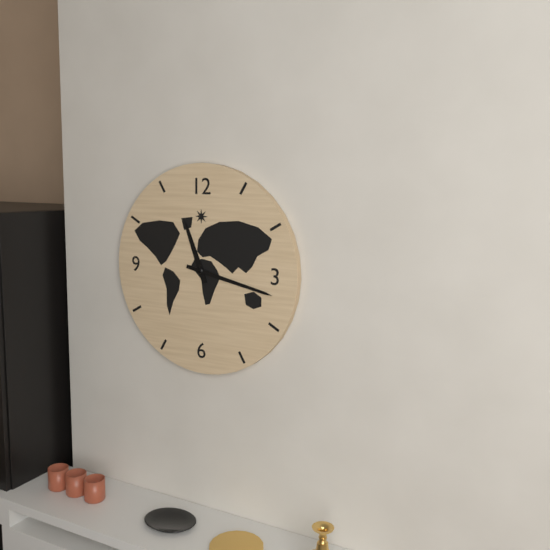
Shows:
{"hour": 11, "minute": 17}
